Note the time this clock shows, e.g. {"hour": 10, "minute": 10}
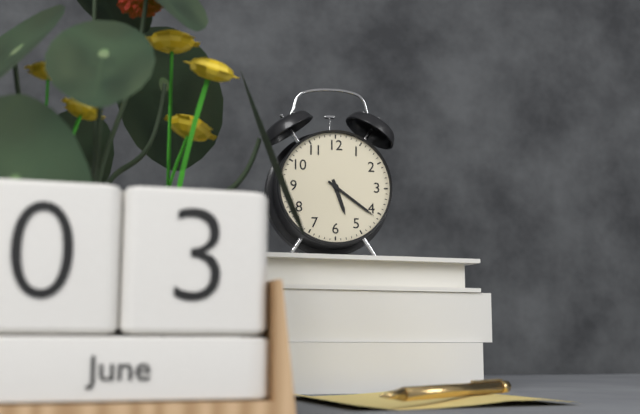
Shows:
{"hour": 5, "minute": 21}
